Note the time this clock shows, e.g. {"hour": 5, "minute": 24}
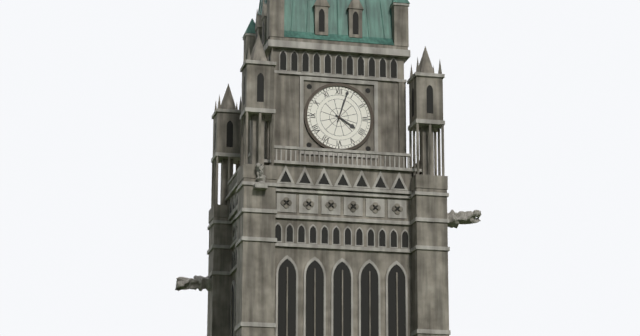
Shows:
{"hour": 4, "minute": 3}
